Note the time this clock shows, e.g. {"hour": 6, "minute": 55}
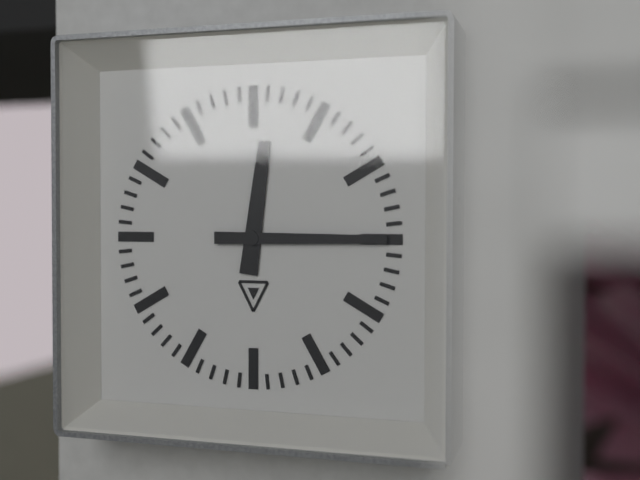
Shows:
{"hour": 12, "minute": 15}
